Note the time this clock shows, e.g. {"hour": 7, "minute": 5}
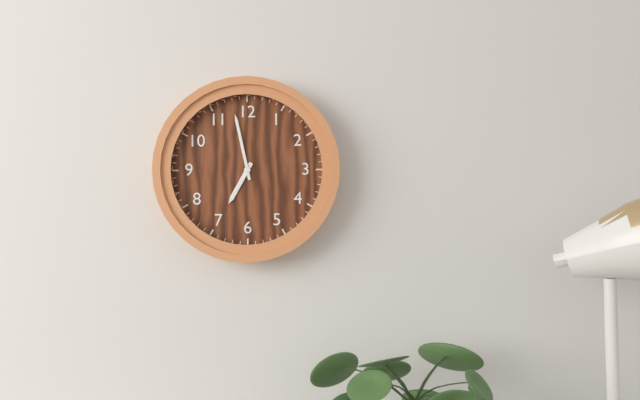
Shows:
{"hour": 6, "minute": 58}
